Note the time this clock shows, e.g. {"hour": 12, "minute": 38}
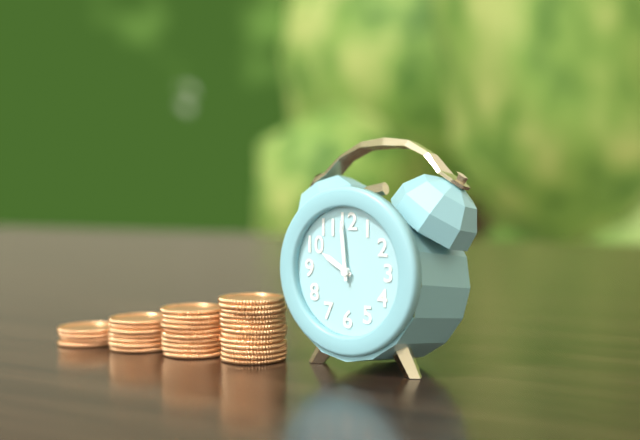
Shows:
{"hour": 9, "minute": 59}
